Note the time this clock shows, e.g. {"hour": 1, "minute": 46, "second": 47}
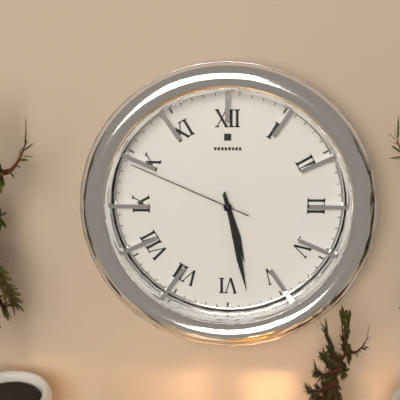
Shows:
{"hour": 5, "minute": 28, "second": 49}
